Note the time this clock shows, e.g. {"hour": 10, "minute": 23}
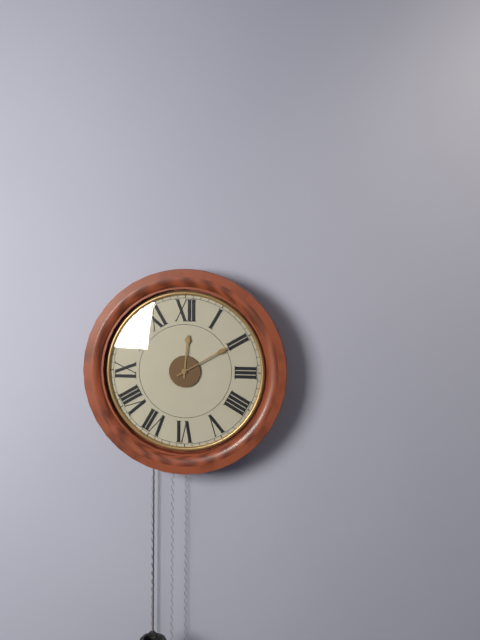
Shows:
{"hour": 12, "minute": 10}
